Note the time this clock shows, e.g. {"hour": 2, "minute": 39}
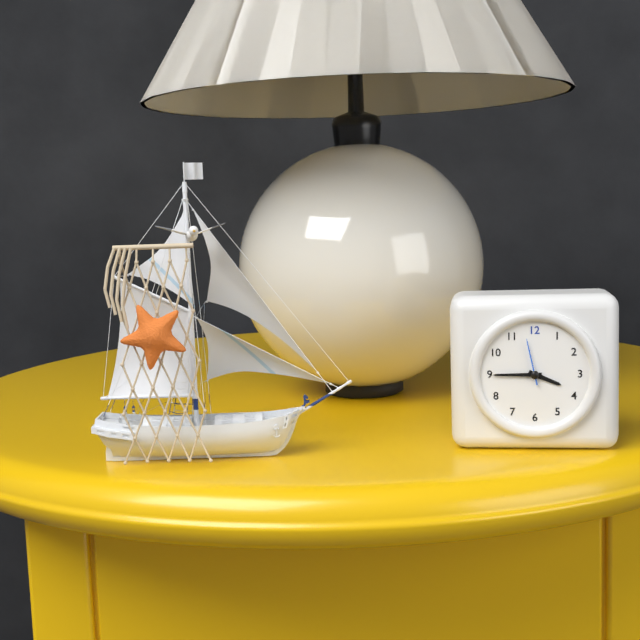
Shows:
{"hour": 3, "minute": 45}
